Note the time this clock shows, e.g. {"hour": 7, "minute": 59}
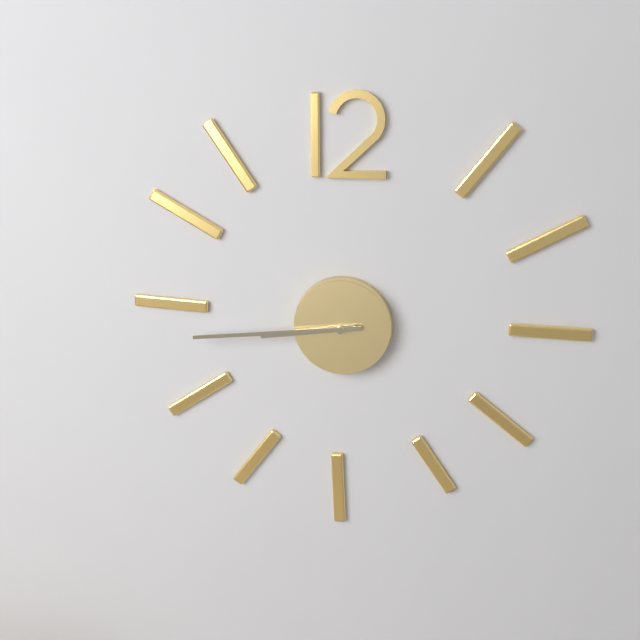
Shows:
{"hour": 8, "minute": 44}
